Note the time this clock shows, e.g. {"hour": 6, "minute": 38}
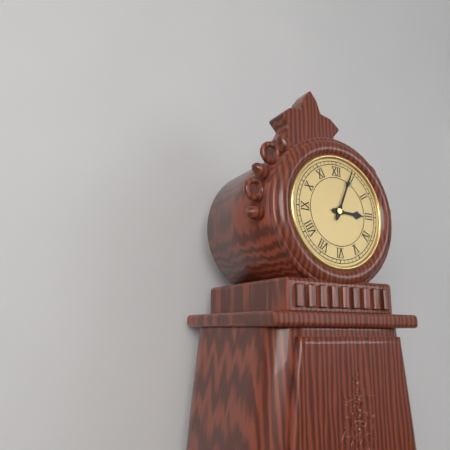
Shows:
{"hour": 3, "minute": 4}
